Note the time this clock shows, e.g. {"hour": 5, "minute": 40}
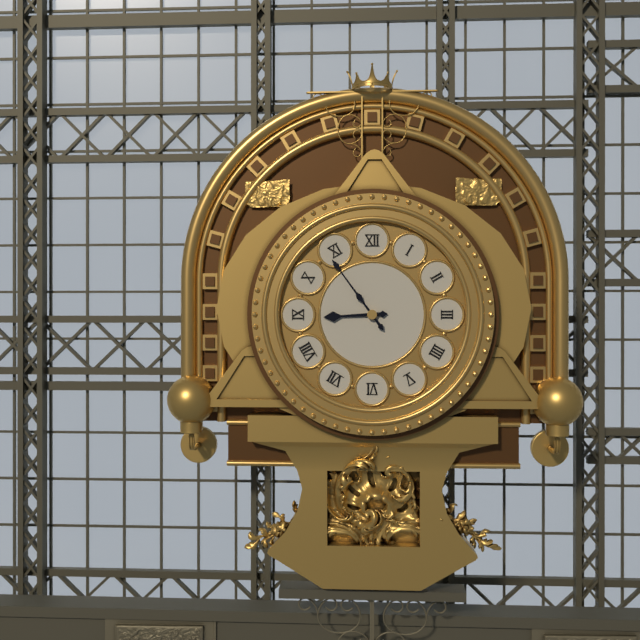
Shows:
{"hour": 8, "minute": 54}
